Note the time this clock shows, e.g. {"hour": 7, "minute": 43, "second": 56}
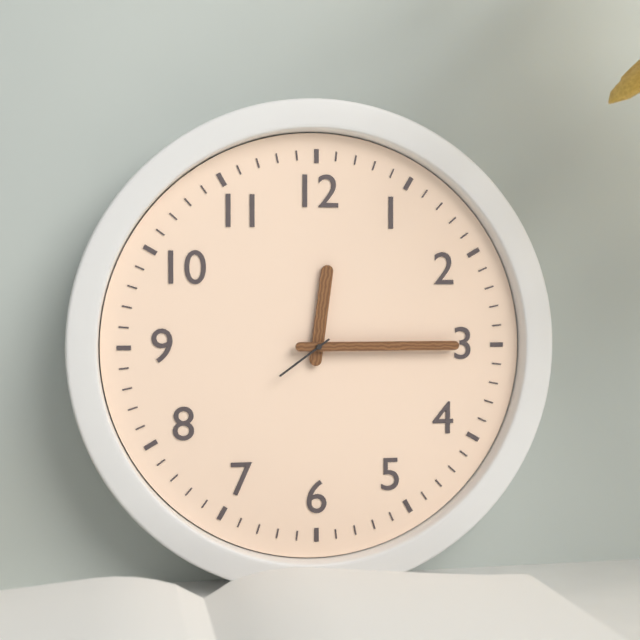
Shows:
{"hour": 12, "minute": 15, "second": 39}
